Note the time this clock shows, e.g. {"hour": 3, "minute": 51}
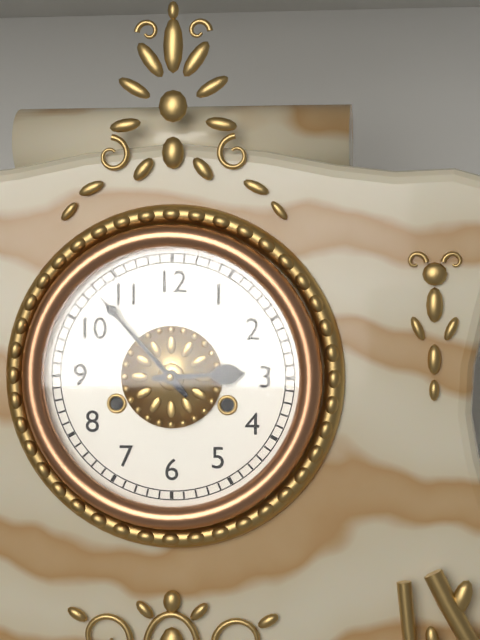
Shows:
{"hour": 2, "minute": 53}
